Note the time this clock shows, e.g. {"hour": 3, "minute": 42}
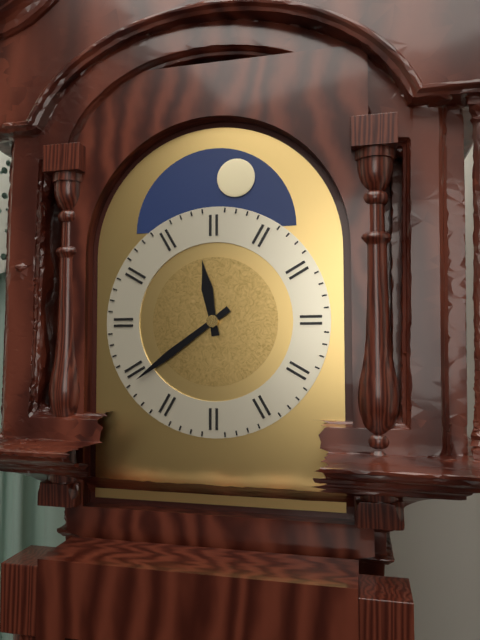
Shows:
{"hour": 11, "minute": 39}
